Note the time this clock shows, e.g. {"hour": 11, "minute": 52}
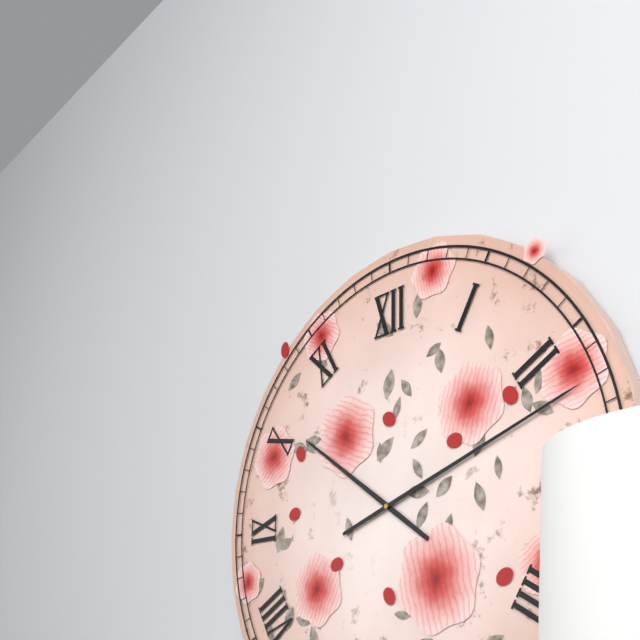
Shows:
{"hour": 10, "minute": 12}
